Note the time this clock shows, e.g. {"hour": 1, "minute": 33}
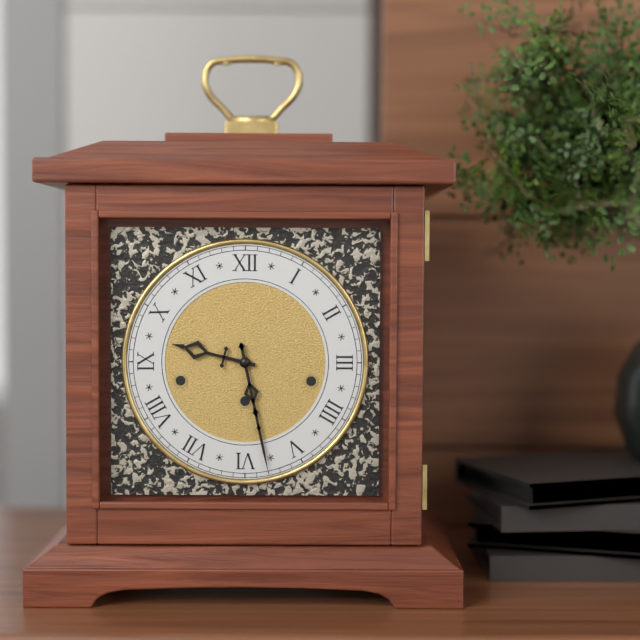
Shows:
{"hour": 9, "minute": 28}
